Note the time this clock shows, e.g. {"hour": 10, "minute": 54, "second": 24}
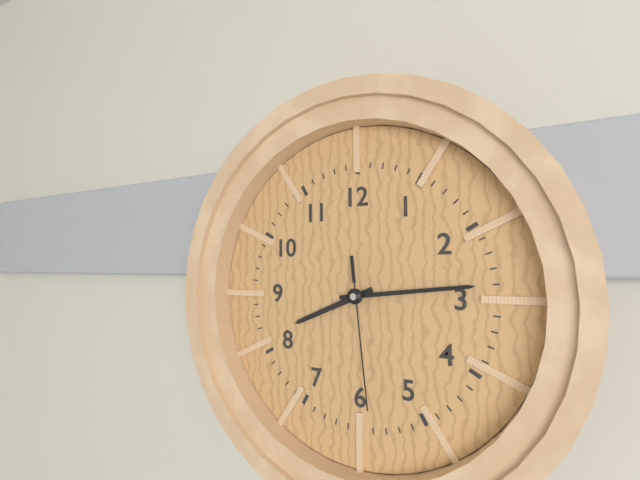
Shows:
{"hour": 8, "minute": 14, "second": 29}
